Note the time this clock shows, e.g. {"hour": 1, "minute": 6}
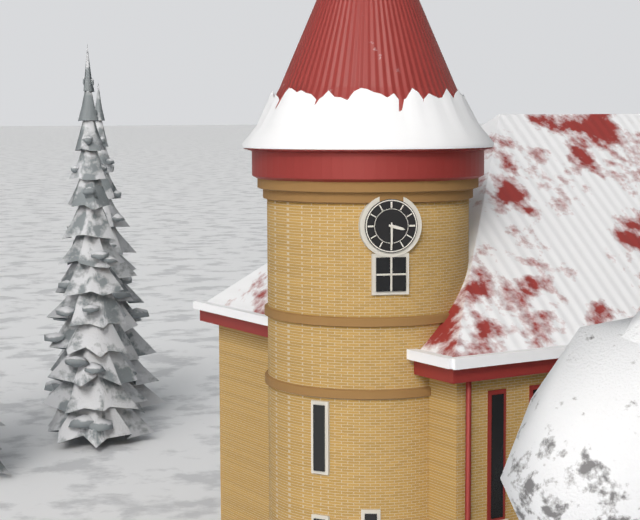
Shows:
{"hour": 3, "minute": 30}
